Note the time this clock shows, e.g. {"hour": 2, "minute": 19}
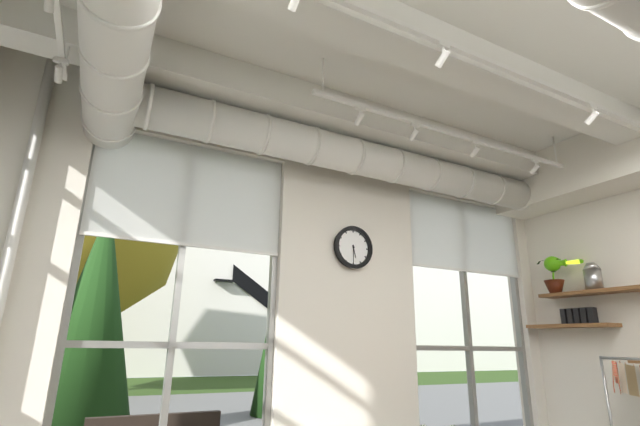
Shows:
{"hour": 5, "minute": 30}
